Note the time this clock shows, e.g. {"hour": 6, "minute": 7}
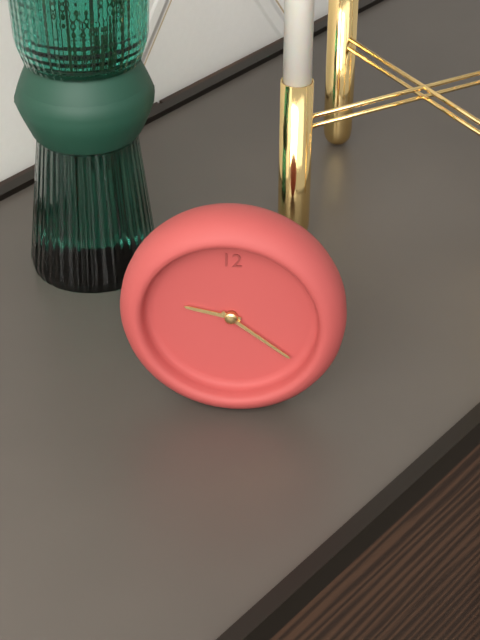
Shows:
{"hour": 9, "minute": 21}
